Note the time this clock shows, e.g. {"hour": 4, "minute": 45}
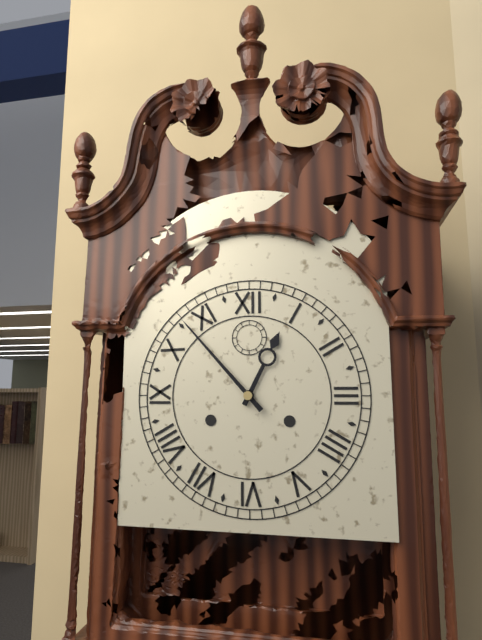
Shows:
{"hour": 12, "minute": 53}
